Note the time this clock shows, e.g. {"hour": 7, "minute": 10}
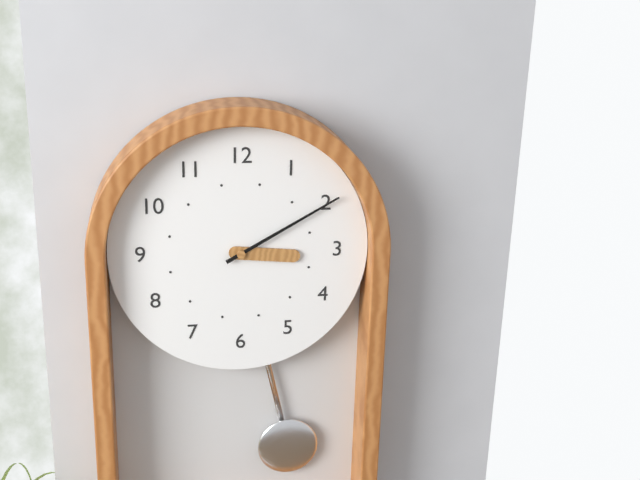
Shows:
{"hour": 3, "minute": 10}
